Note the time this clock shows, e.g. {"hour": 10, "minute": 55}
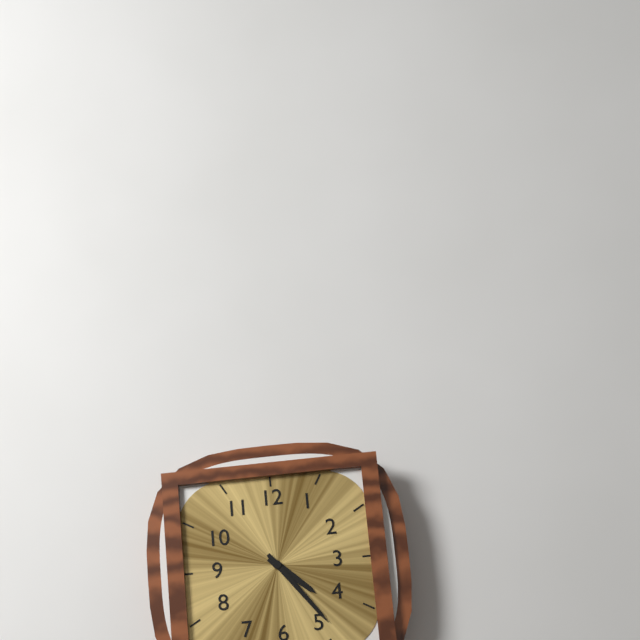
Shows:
{"hour": 4, "minute": 24}
